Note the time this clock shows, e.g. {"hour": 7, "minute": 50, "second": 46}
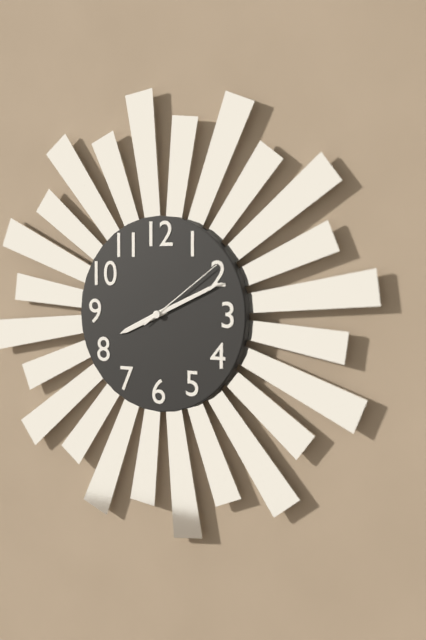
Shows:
{"hour": 8, "minute": 11, "second": 9}
